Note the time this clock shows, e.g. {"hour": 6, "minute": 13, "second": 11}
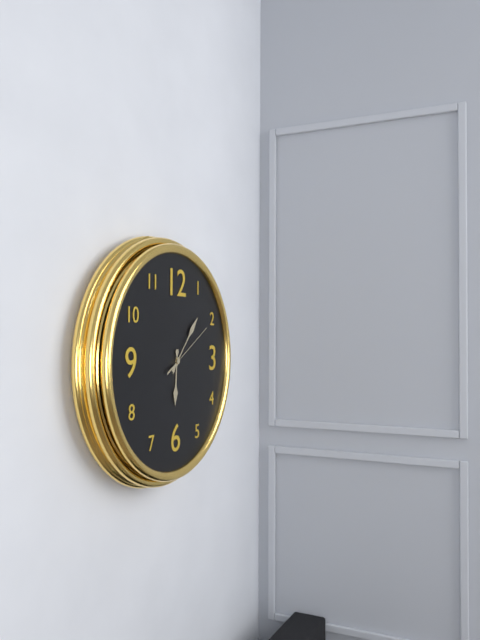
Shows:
{"hour": 6, "minute": 7, "second": 10}
